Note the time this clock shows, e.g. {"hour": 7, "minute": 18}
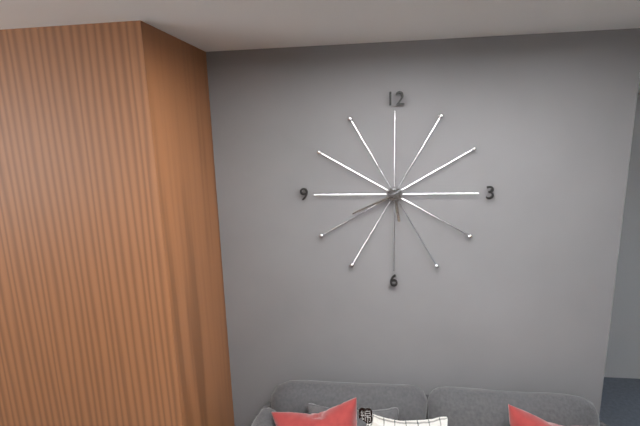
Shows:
{"hour": 5, "minute": 41}
